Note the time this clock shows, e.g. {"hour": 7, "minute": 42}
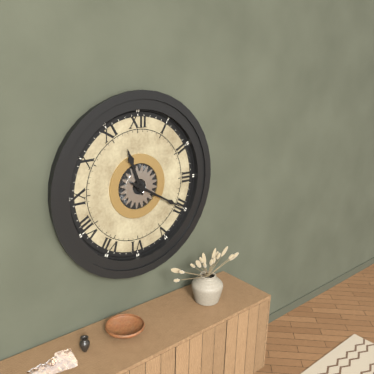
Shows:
{"hour": 11, "minute": 20}
